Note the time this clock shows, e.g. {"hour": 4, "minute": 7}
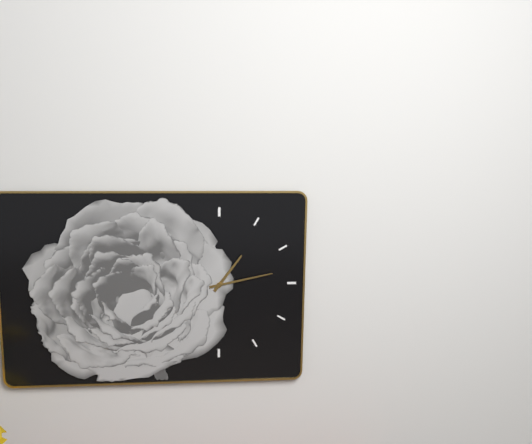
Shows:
{"hour": 1, "minute": 13}
